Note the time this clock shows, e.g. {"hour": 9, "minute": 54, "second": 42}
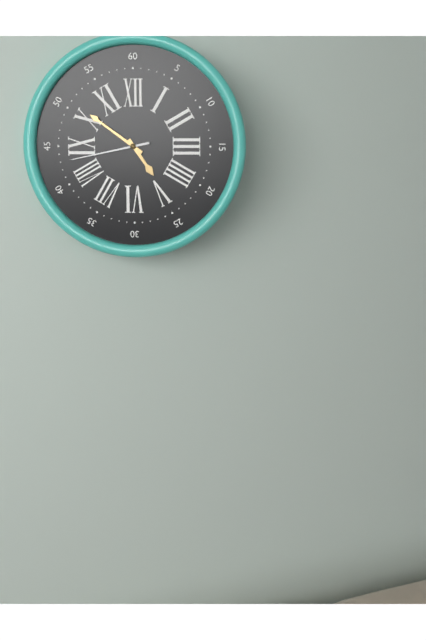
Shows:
{"hour": 4, "minute": 51, "second": 43}
